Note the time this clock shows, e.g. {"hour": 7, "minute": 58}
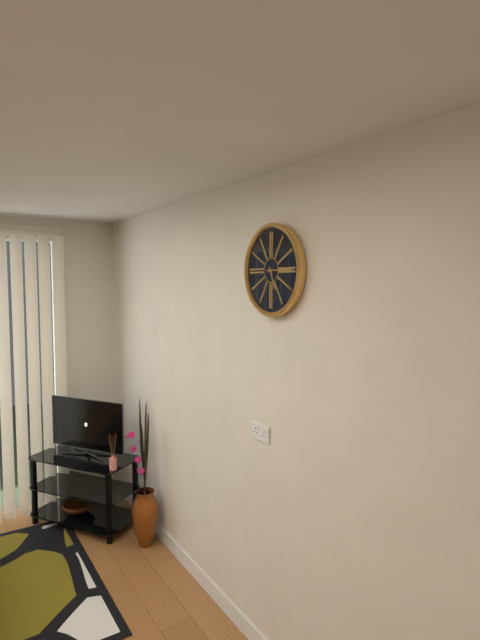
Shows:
{"hour": 5, "minute": 15}
